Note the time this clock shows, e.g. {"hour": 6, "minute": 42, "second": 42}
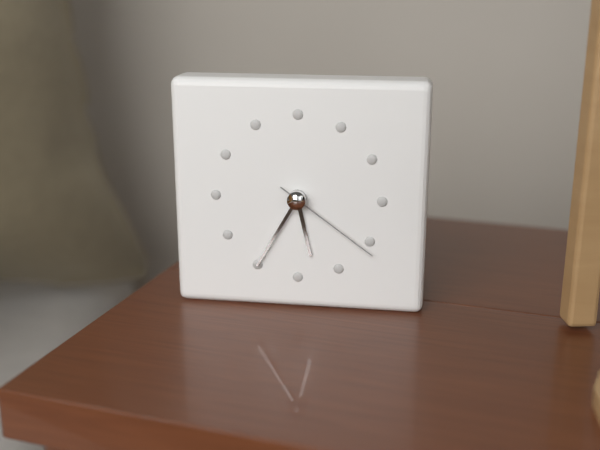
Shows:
{"hour": 5, "minute": 35, "second": 21}
